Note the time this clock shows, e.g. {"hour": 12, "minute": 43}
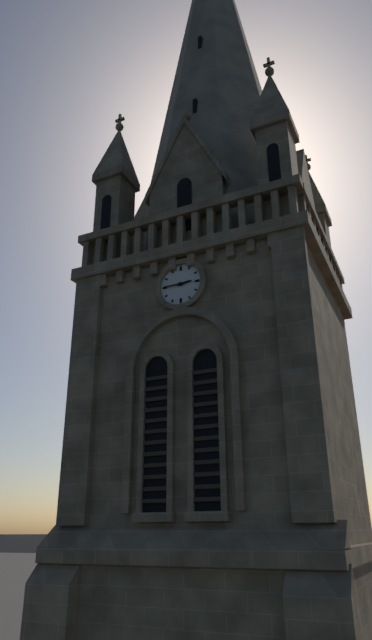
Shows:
{"hour": 2, "minute": 45}
